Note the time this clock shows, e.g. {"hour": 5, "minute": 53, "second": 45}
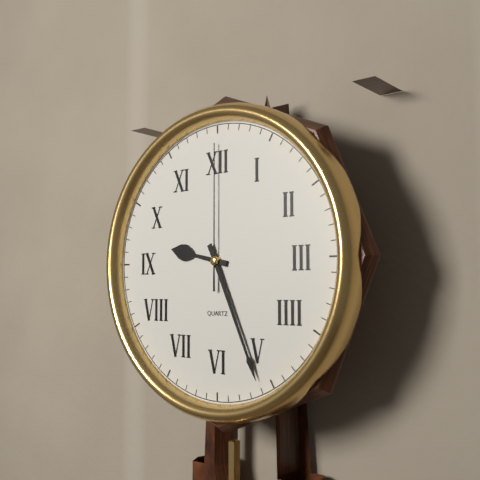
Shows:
{"hour": 9, "minute": 26, "second": 0}
